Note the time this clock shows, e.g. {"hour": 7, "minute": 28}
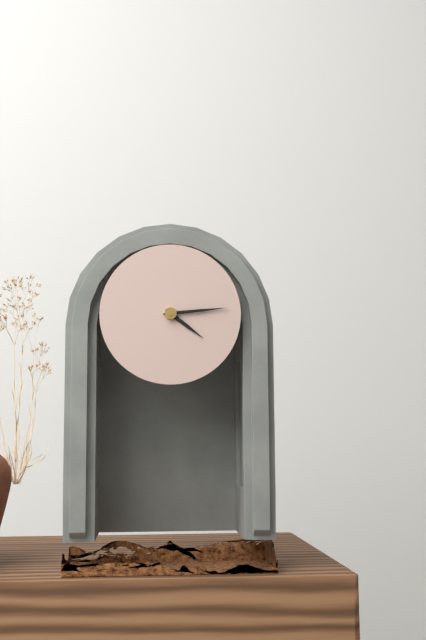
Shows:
{"hour": 4, "minute": 14}
